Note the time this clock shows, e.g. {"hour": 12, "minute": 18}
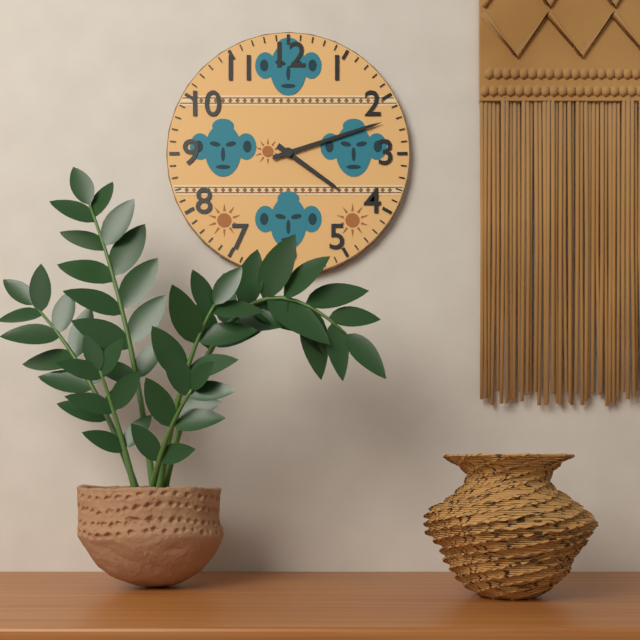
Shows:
{"hour": 4, "minute": 12}
